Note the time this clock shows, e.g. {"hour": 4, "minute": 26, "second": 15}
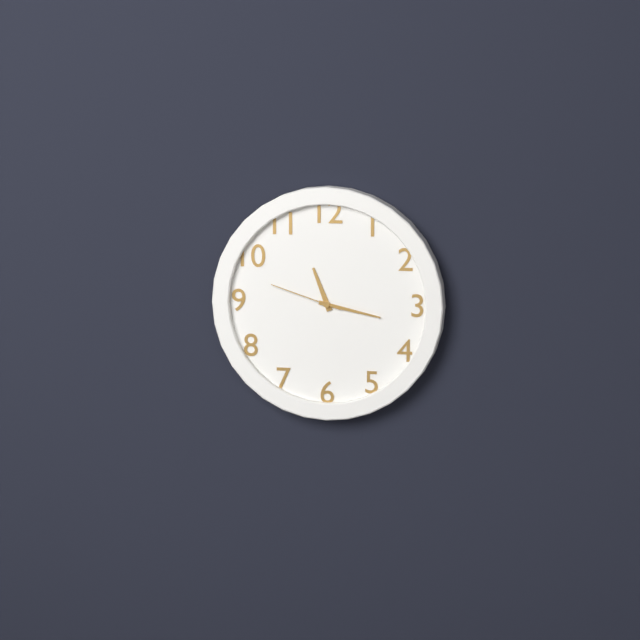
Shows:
{"hour": 11, "minute": 17, "second": 48}
